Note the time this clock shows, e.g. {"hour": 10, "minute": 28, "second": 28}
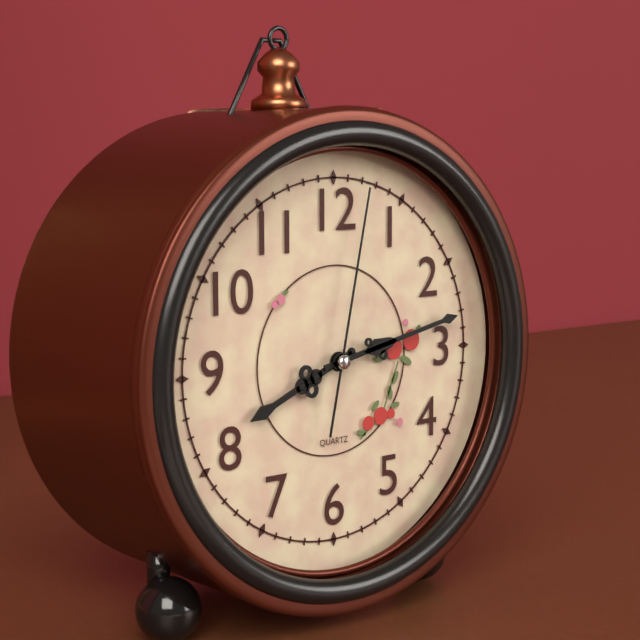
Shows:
{"hour": 8, "minute": 13, "second": 2}
